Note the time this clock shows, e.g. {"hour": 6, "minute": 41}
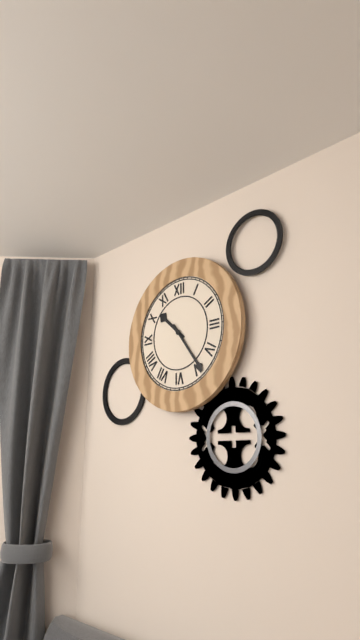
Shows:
{"hour": 10, "minute": 24}
